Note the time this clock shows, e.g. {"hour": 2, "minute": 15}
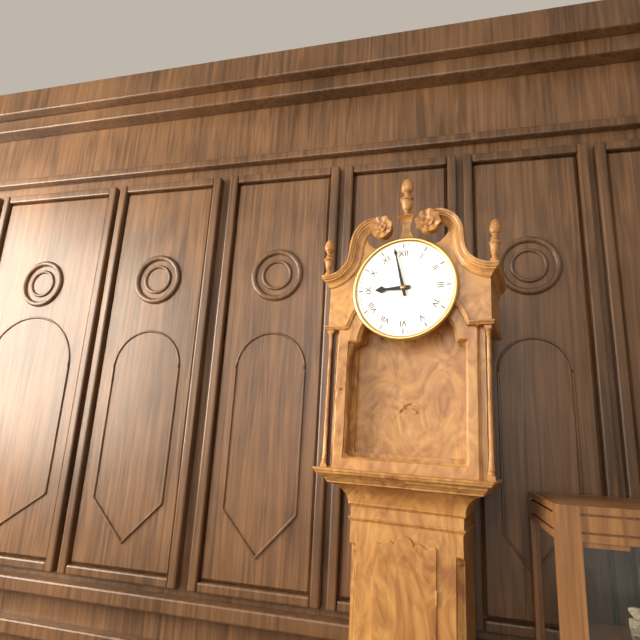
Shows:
{"hour": 8, "minute": 58}
